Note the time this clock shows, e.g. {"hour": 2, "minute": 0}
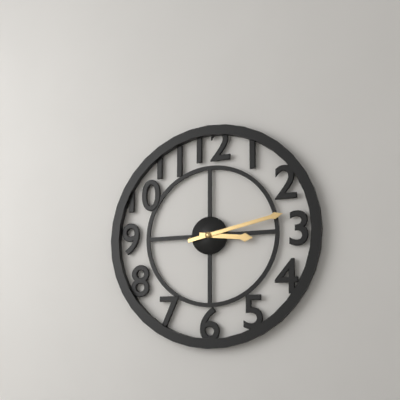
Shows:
{"hour": 3, "minute": 13}
